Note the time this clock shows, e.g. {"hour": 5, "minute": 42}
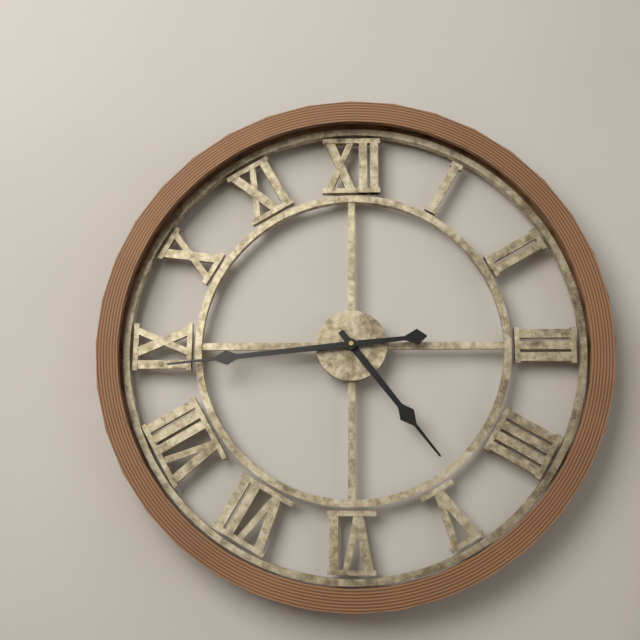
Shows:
{"hour": 4, "minute": 44}
